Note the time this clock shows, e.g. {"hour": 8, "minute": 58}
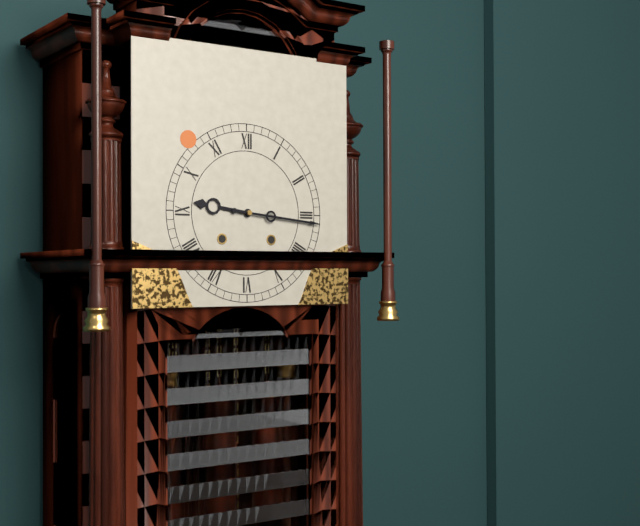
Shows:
{"hour": 9, "minute": 16}
